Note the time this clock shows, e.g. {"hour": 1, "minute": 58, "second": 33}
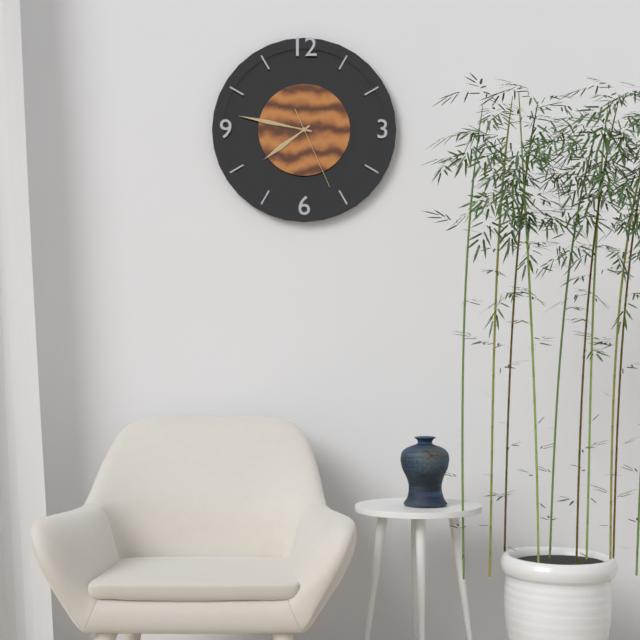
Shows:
{"hour": 7, "minute": 47, "second": 26}
